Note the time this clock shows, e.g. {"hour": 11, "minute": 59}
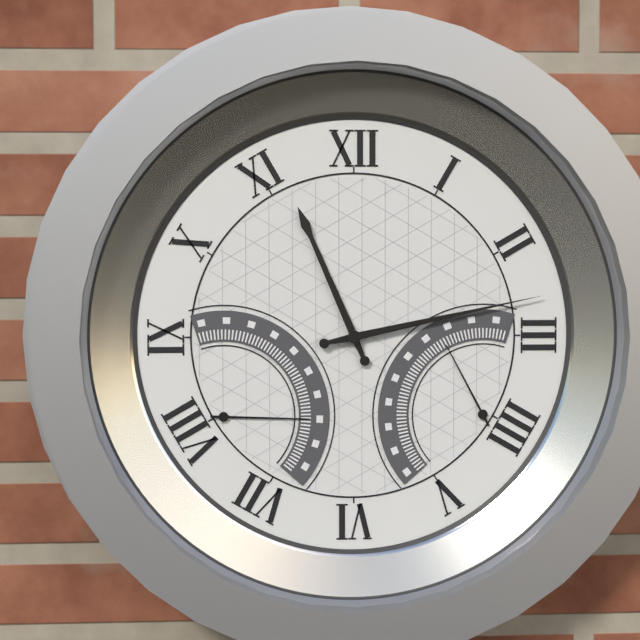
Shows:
{"hour": 11, "minute": 13}
